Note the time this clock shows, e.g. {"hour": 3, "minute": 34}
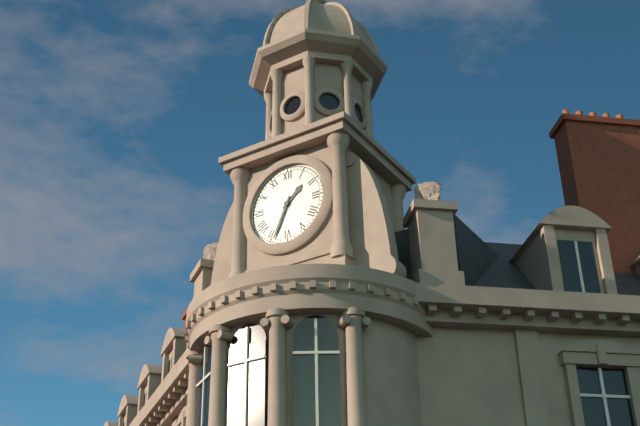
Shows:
{"hour": 1, "minute": 34}
